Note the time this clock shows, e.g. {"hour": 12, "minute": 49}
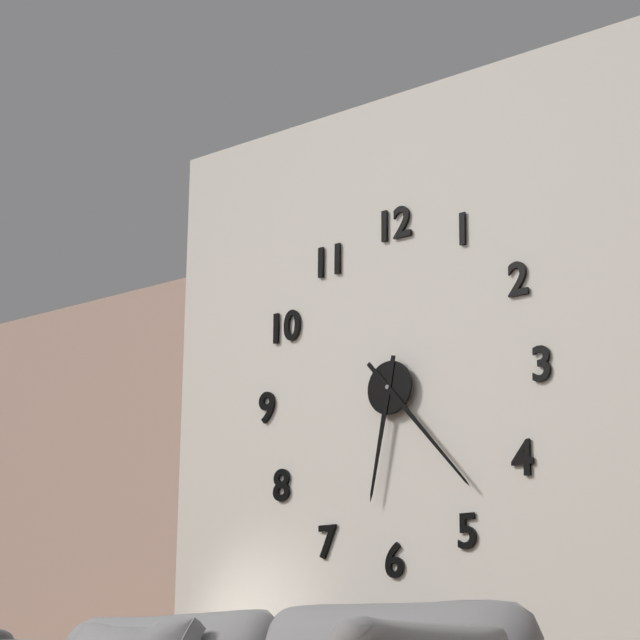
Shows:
{"hour": 6, "minute": 23}
